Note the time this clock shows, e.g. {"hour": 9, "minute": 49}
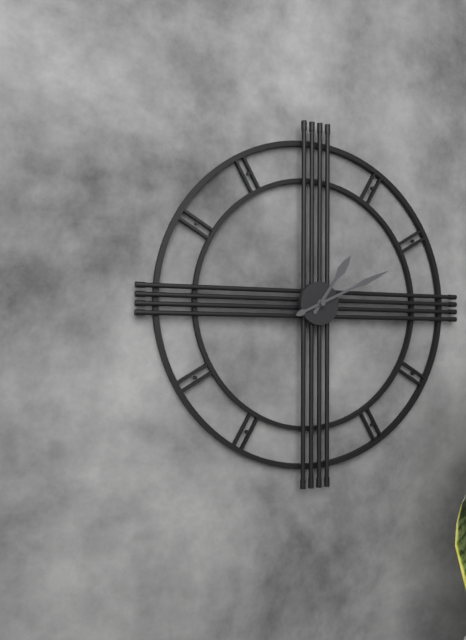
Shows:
{"hour": 1, "minute": 11}
